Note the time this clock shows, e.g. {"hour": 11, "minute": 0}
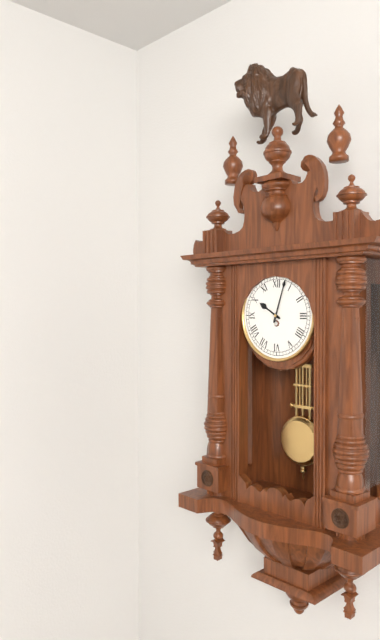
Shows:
{"hour": 10, "minute": 3}
